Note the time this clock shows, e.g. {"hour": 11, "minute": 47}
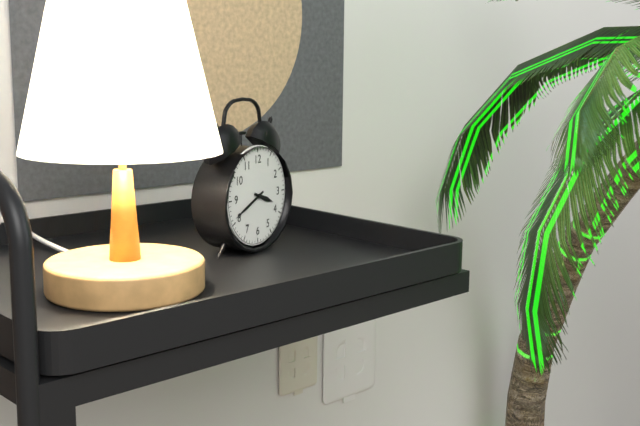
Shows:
{"hour": 3, "minute": 41}
